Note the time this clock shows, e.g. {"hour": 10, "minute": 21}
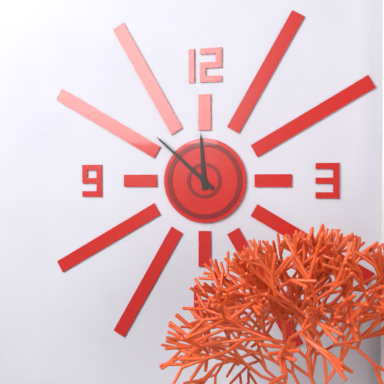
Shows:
{"hour": 11, "minute": 52}
